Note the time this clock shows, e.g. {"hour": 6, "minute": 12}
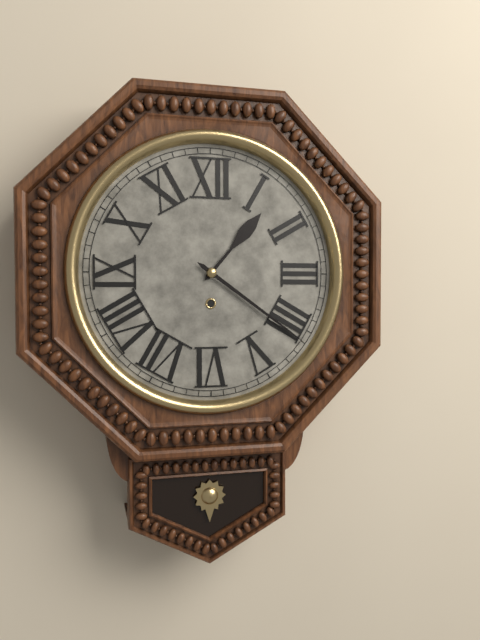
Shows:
{"hour": 1, "minute": 21}
